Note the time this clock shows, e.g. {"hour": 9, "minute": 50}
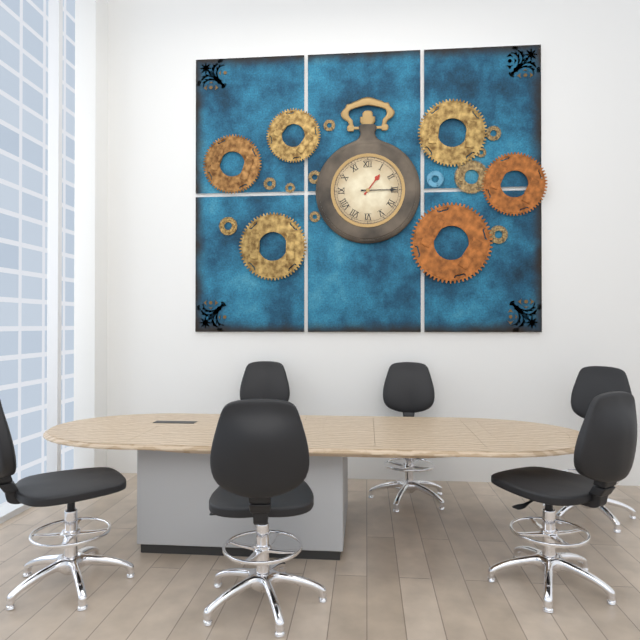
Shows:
{"hour": 1, "minute": 15}
